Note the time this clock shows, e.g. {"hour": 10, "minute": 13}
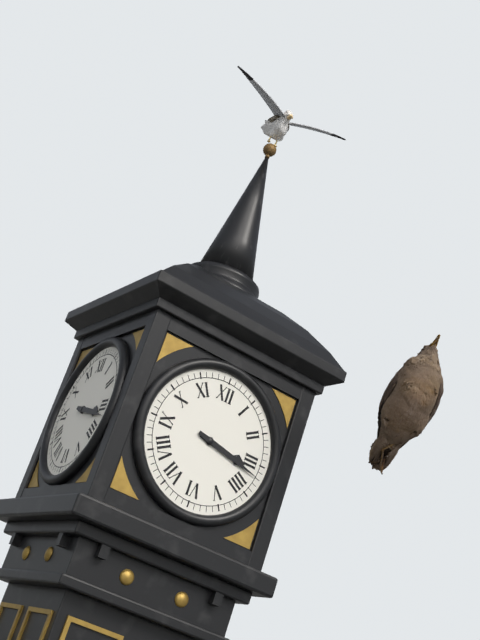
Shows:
{"hour": 3, "minute": 17}
